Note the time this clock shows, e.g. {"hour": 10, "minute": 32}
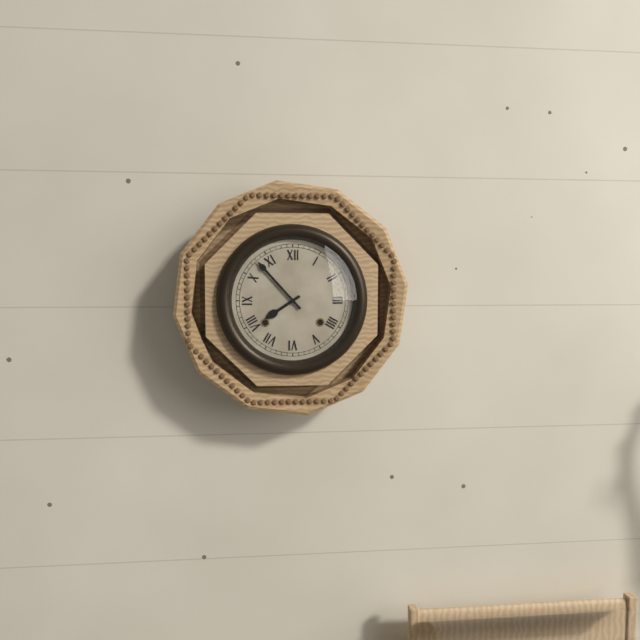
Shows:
{"hour": 7, "minute": 53}
